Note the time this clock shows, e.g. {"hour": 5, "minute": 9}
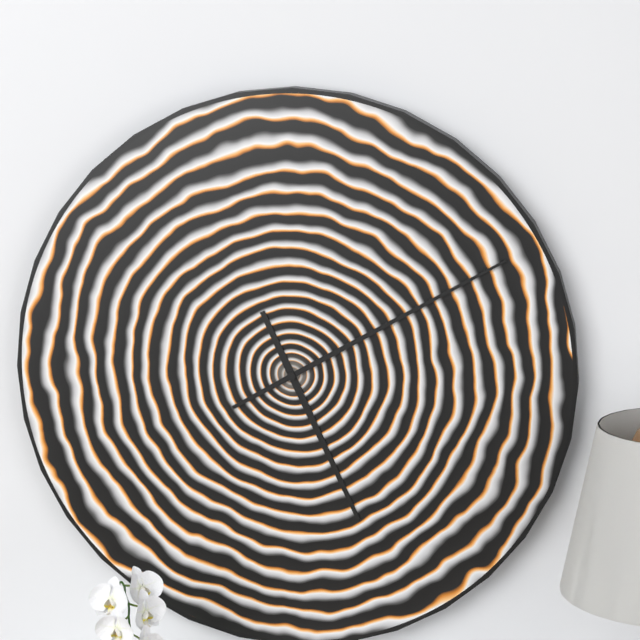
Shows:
{"hour": 5, "minute": 10}
